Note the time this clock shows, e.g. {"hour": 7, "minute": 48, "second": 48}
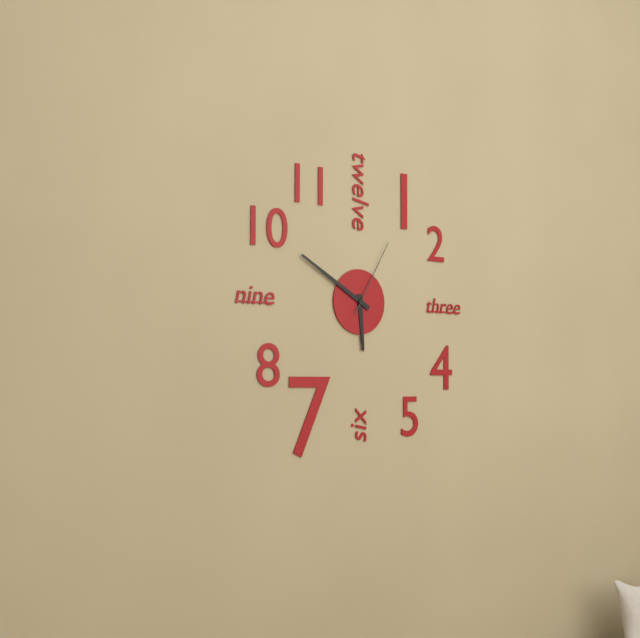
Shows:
{"hour": 5, "minute": 50, "second": 5}
